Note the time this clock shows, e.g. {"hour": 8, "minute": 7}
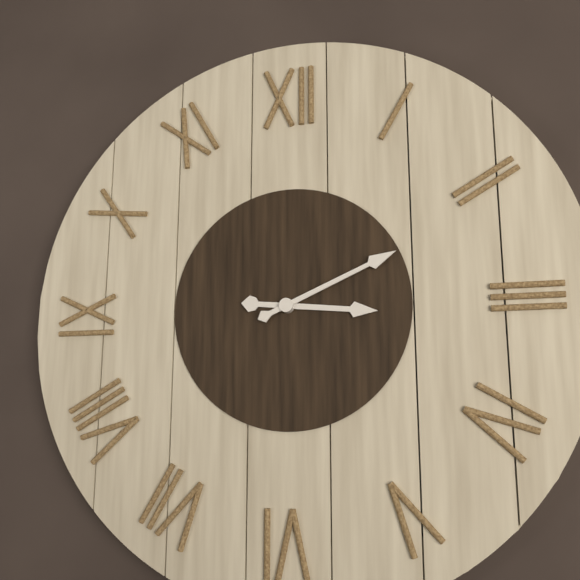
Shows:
{"hour": 3, "minute": 11}
